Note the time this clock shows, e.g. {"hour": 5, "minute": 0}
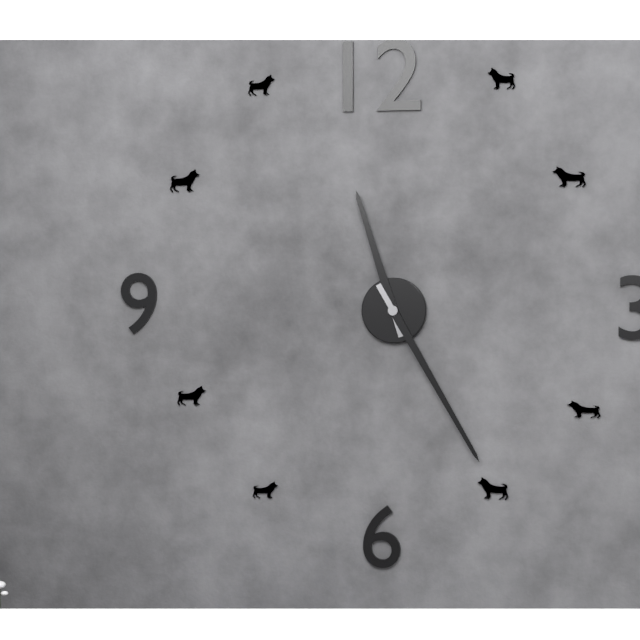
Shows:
{"hour": 11, "minute": 25}
